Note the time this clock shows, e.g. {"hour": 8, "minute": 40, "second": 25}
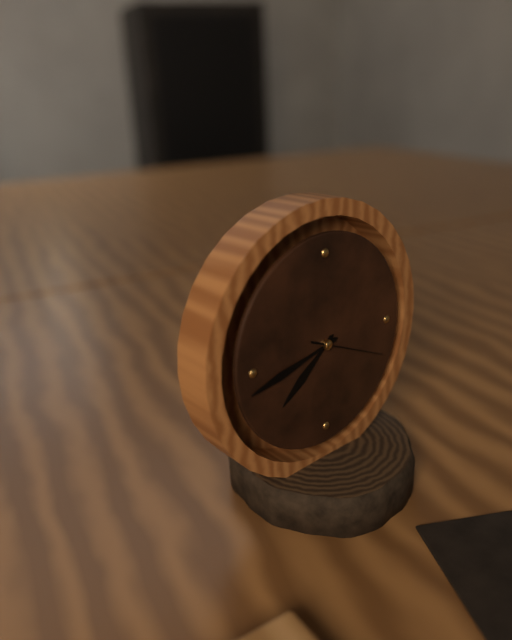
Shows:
{"hour": 7, "minute": 43, "second": 19}
